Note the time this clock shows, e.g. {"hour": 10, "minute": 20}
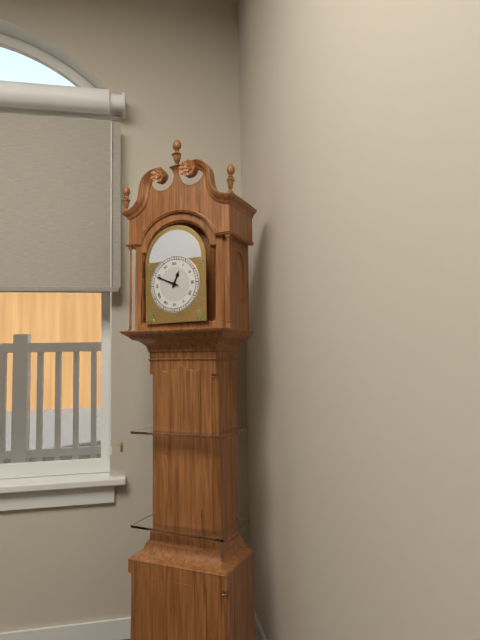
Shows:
{"hour": 12, "minute": 49}
